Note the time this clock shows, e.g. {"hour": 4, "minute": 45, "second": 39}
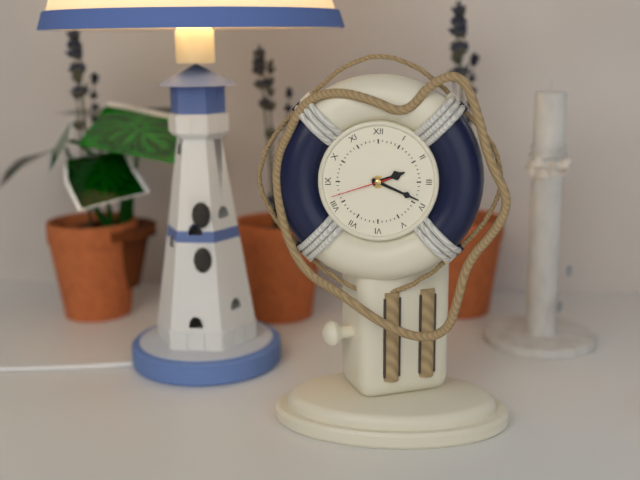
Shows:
{"hour": 2, "minute": 19, "second": 42}
